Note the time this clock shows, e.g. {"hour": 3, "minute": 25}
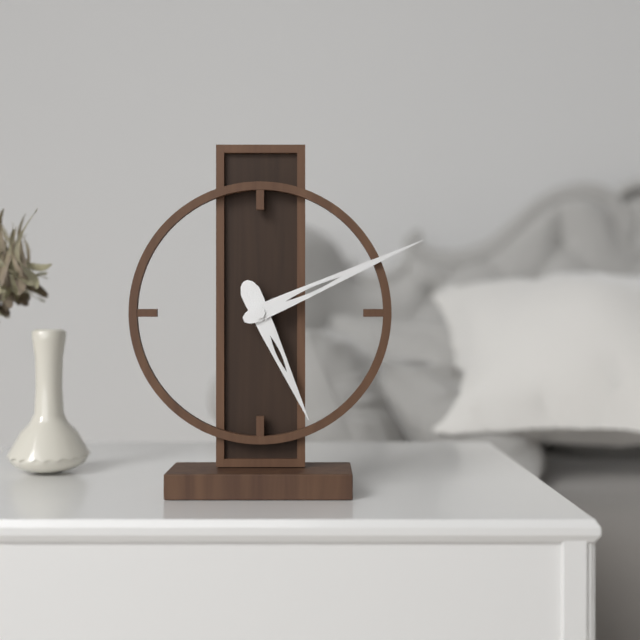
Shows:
{"hour": 5, "minute": 11}
